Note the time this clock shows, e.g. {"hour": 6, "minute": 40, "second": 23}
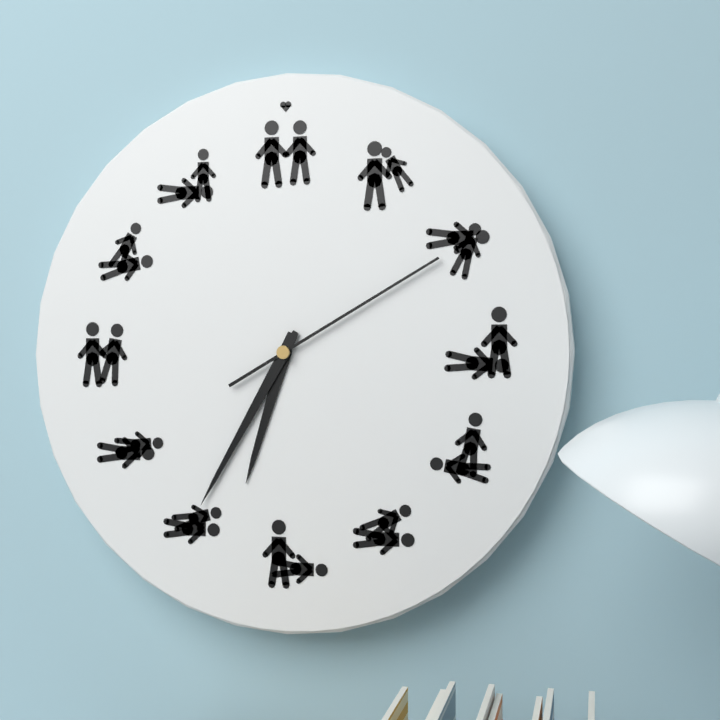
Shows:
{"hour": 6, "minute": 35, "second": 10}
